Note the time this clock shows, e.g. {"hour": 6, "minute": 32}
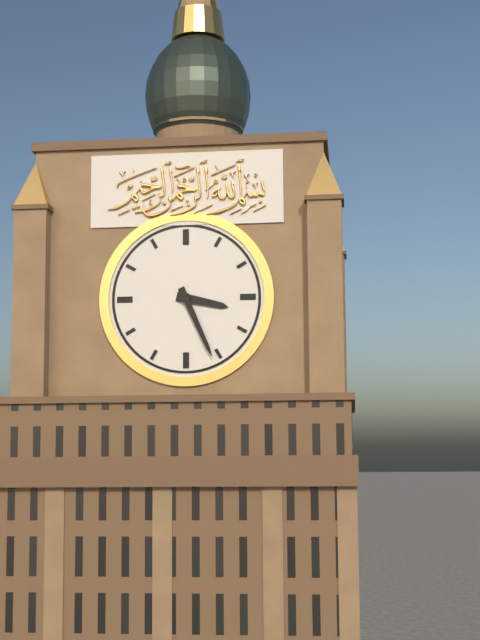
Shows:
{"hour": 3, "minute": 26}
